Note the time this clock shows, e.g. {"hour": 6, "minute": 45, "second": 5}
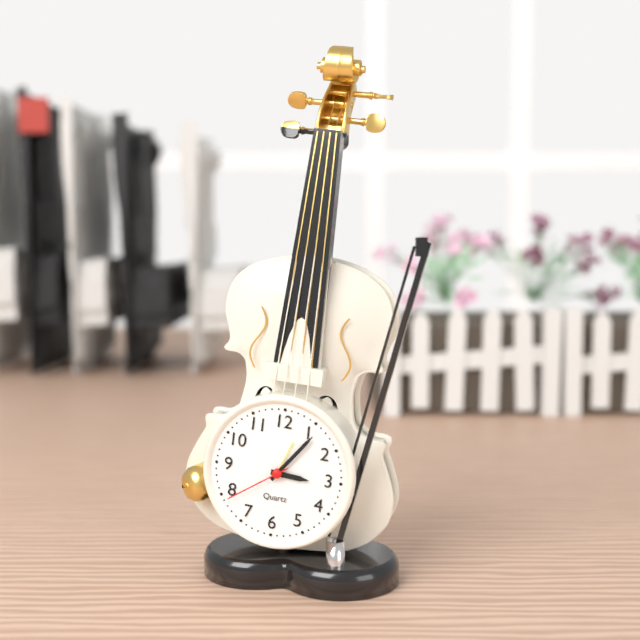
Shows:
{"hour": 3, "minute": 6, "second": 39}
